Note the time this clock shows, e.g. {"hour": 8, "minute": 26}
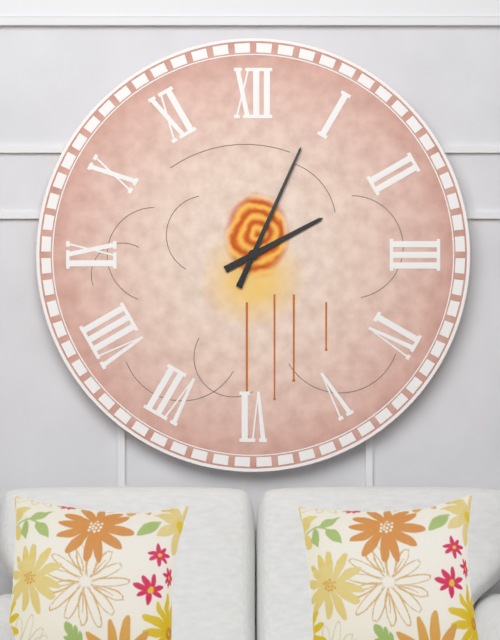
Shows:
{"hour": 2, "minute": 4}
